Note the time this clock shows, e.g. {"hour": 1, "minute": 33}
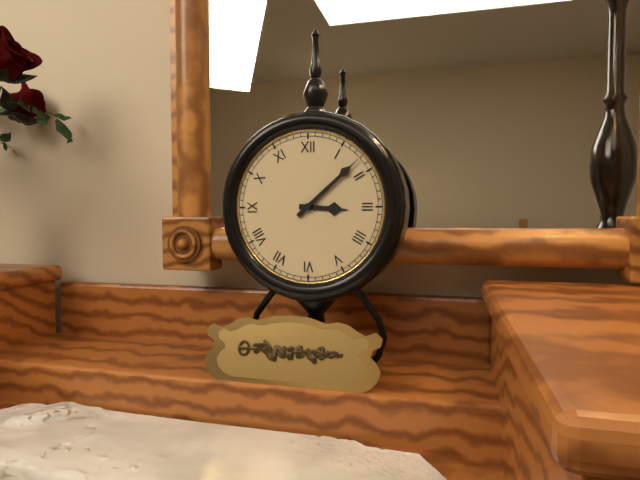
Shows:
{"hour": 3, "minute": 8}
